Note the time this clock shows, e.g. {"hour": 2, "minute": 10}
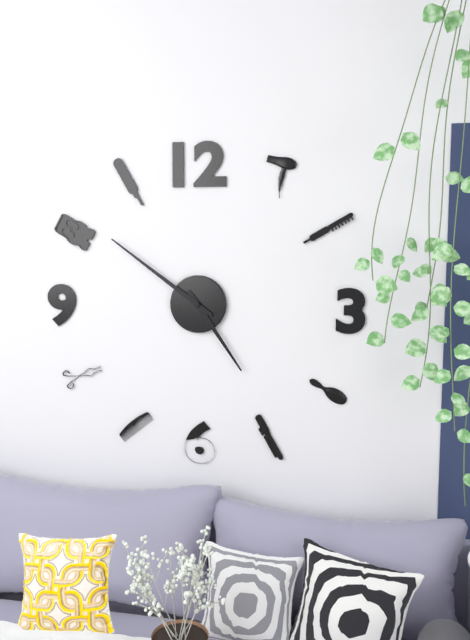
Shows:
{"hour": 4, "minute": 51}
